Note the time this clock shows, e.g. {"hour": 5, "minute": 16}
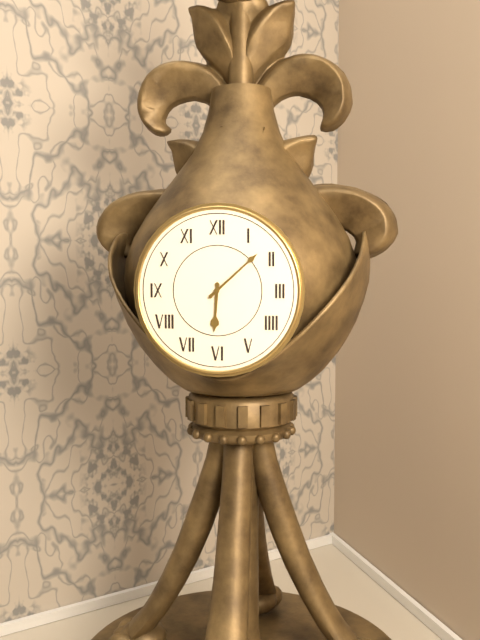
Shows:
{"hour": 6, "minute": 8}
